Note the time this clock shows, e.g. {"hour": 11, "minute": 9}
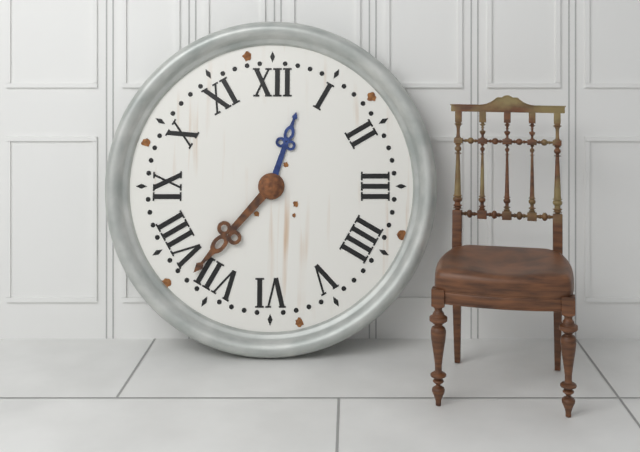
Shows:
{"hour": 12, "minute": 37}
